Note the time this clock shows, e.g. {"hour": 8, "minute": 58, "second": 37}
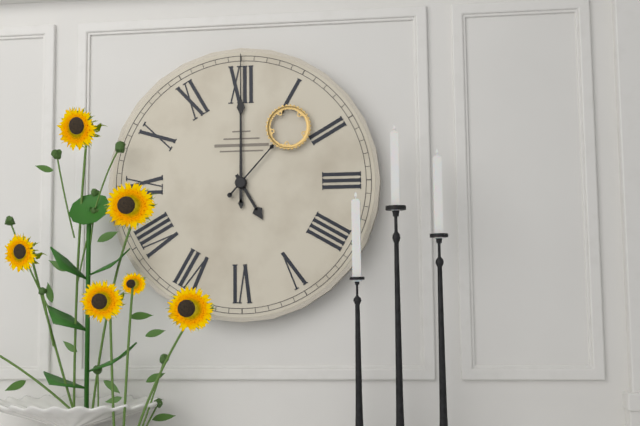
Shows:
{"hour": 5, "minute": 0, "second": 7}
